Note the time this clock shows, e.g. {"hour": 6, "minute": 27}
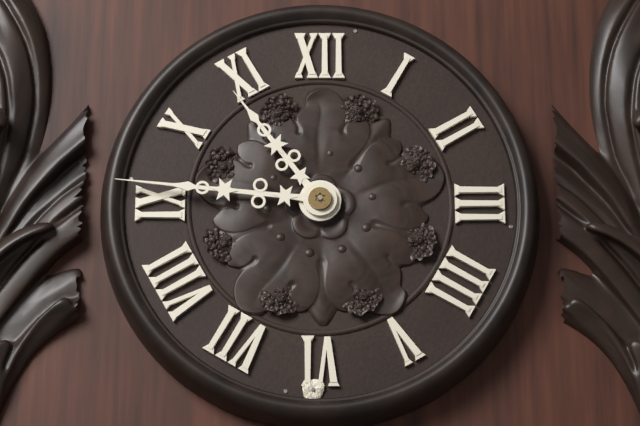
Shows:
{"hour": 10, "minute": 46}
